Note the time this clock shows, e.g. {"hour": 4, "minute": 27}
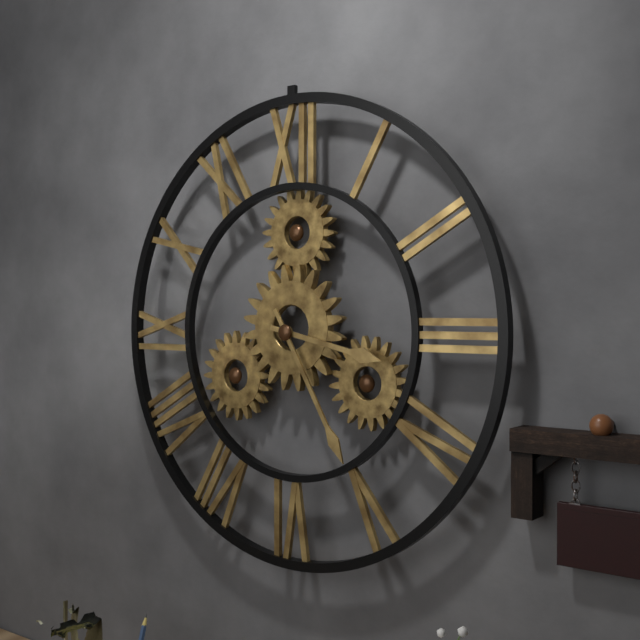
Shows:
{"hour": 3, "minute": 25}
